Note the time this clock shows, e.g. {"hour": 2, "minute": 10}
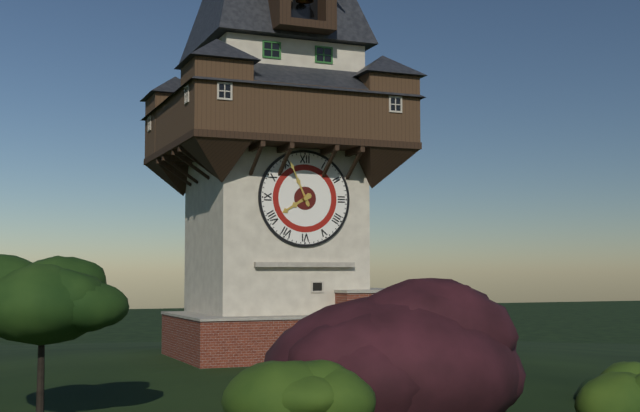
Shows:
{"hour": 7, "minute": 56}
